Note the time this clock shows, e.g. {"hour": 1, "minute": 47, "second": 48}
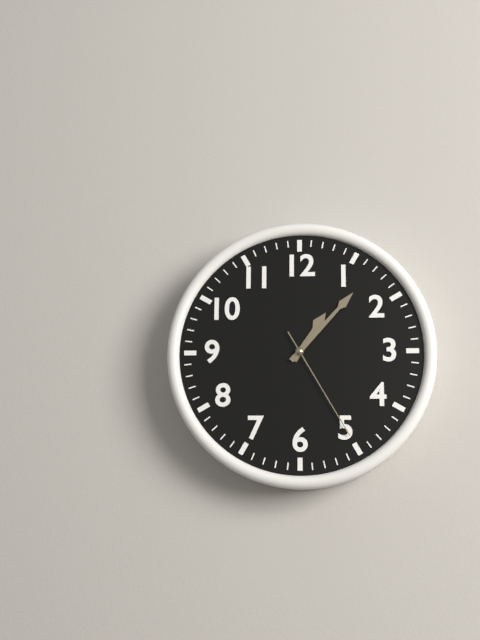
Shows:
{"hour": 1, "minute": 7, "second": 25}
